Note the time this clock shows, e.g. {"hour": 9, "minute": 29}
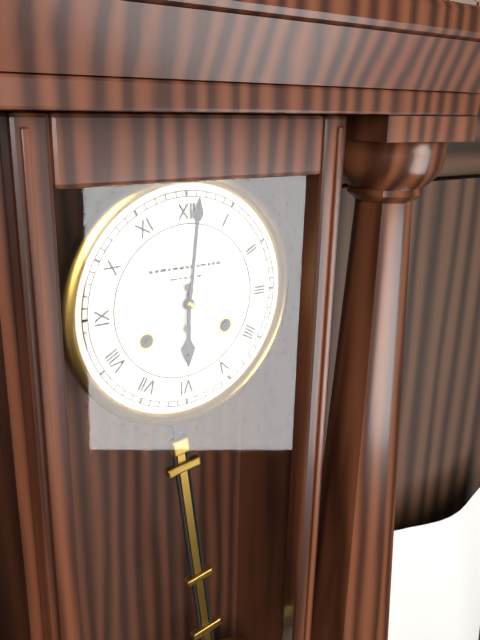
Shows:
{"hour": 6, "minute": 1}
